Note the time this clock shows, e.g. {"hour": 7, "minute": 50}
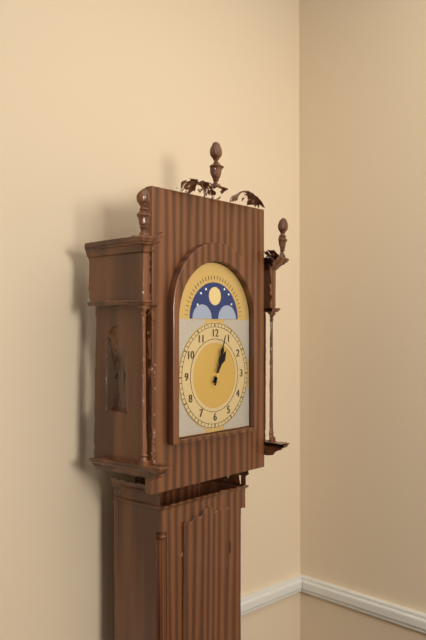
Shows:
{"hour": 1, "minute": 3}
